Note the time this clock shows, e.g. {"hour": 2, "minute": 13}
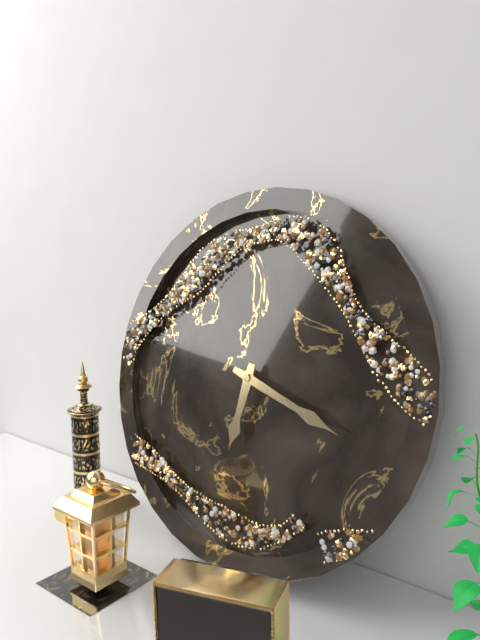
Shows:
{"hour": 6, "minute": 18}
